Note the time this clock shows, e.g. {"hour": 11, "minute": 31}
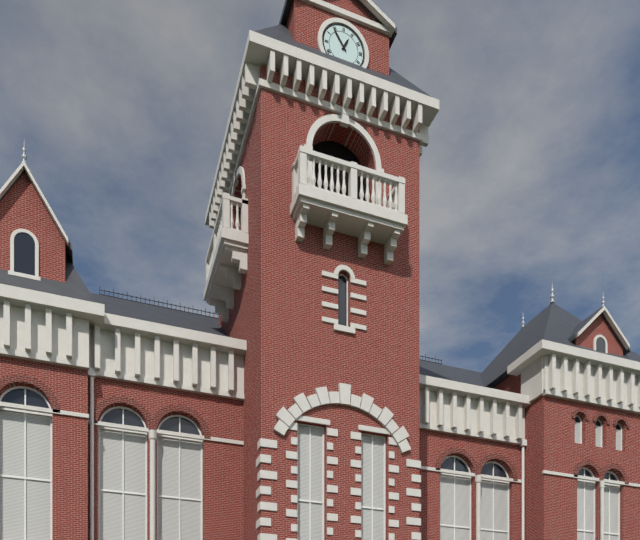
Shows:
{"hour": 12, "minute": 54}
